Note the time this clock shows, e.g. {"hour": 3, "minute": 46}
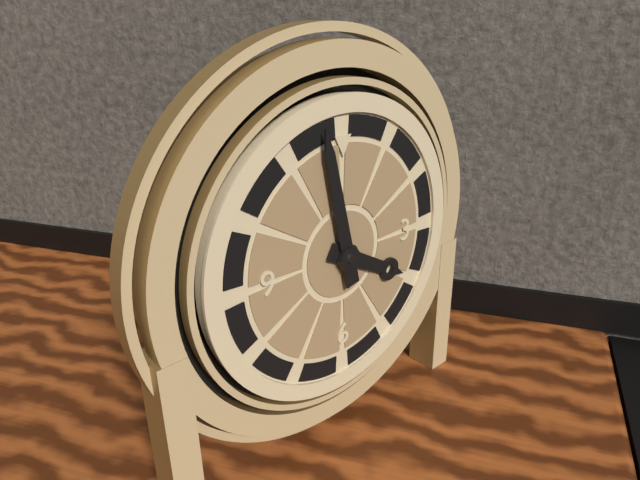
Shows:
{"hour": 3, "minute": 58}
